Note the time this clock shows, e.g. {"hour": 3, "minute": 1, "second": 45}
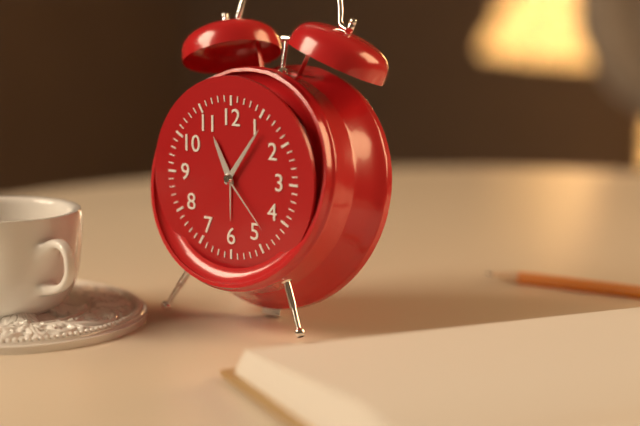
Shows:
{"hour": 11, "minute": 6, "second": 23}
